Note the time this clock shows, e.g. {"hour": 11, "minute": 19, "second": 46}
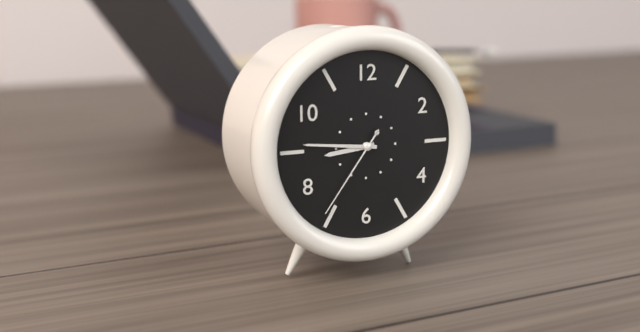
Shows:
{"hour": 8, "minute": 46, "second": 36}
